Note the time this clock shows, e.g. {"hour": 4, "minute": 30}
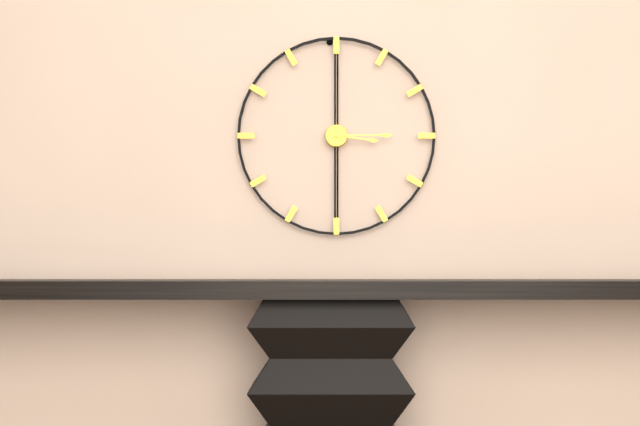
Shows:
{"hour": 3, "minute": 15}
